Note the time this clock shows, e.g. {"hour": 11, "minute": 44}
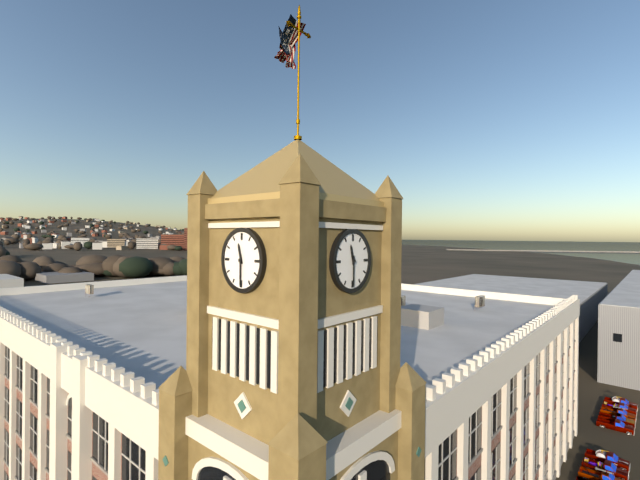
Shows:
{"hour": 11, "minute": 30}
